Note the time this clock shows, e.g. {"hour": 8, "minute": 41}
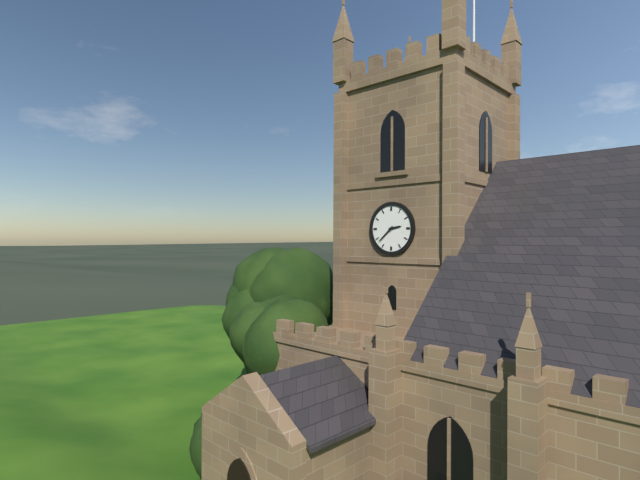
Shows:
{"hour": 2, "minute": 38}
